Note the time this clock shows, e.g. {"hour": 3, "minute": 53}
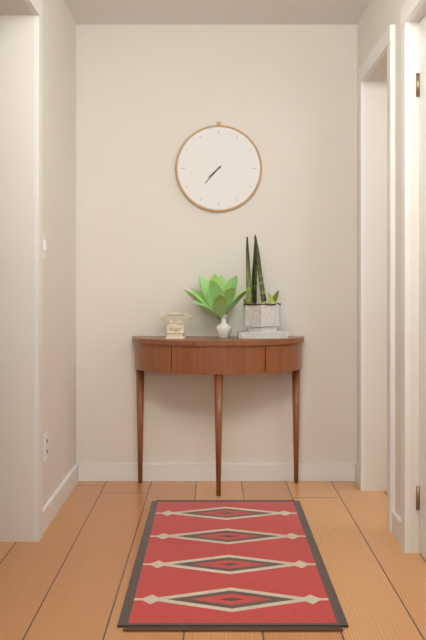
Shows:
{"hour": 7, "minute": 37}
